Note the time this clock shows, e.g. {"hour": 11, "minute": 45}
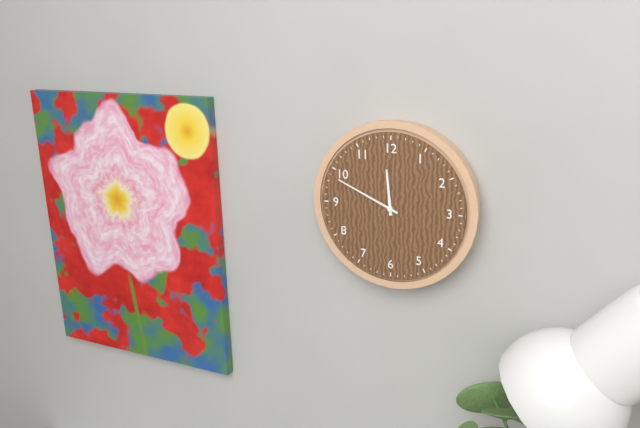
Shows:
{"hour": 11, "minute": 49}
